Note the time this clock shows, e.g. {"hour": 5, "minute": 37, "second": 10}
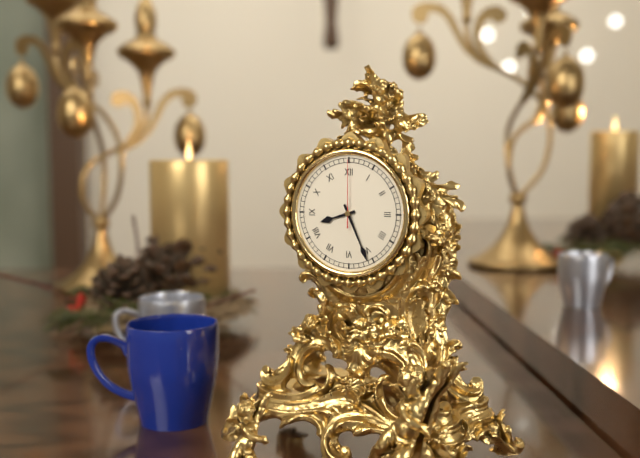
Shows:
{"hour": 8, "minute": 26, "second": 0}
